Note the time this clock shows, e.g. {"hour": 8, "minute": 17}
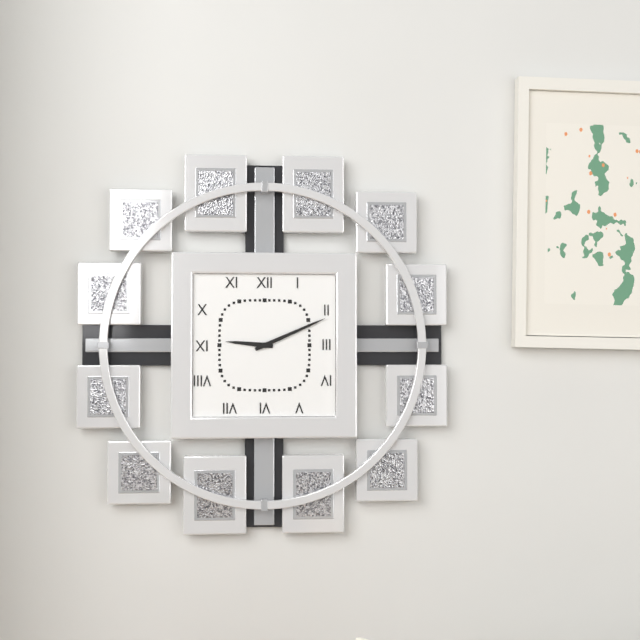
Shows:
{"hour": 9, "minute": 11}
